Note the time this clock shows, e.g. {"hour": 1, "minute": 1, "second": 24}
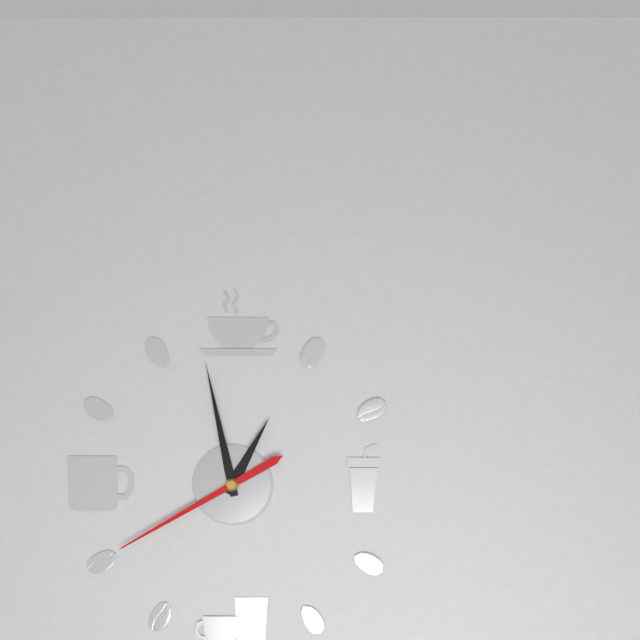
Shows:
{"hour": 12, "minute": 58, "second": 40}
